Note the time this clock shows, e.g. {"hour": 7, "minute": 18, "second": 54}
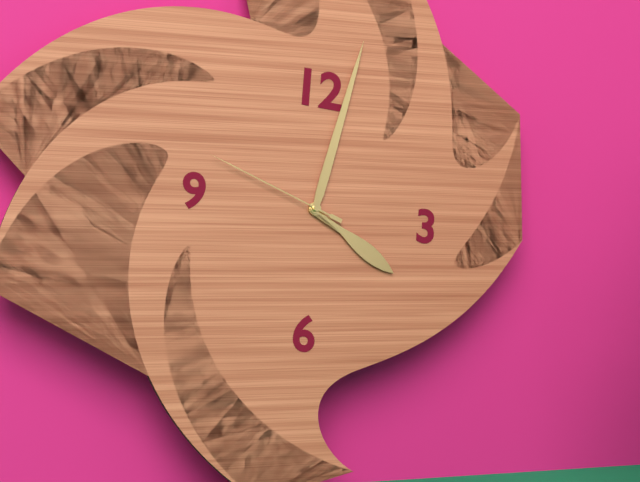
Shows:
{"hour": 4, "minute": 2, "second": 48}
